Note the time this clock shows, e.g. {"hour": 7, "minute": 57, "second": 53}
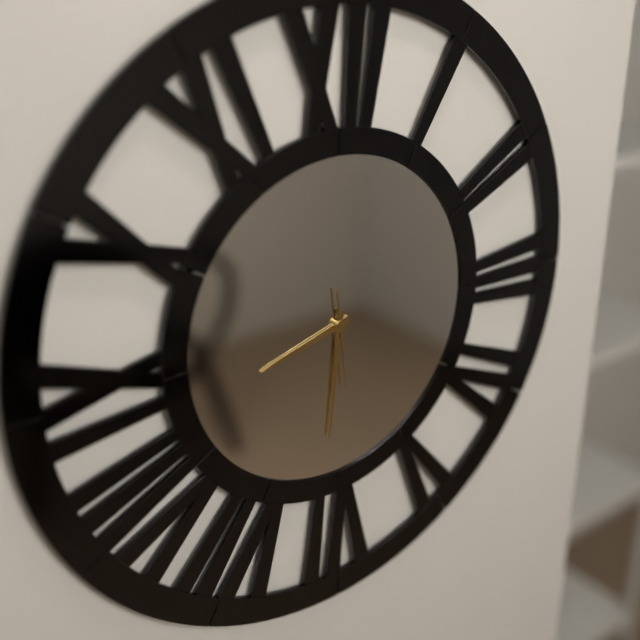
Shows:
{"hour": 8, "minute": 31, "second": 29}
